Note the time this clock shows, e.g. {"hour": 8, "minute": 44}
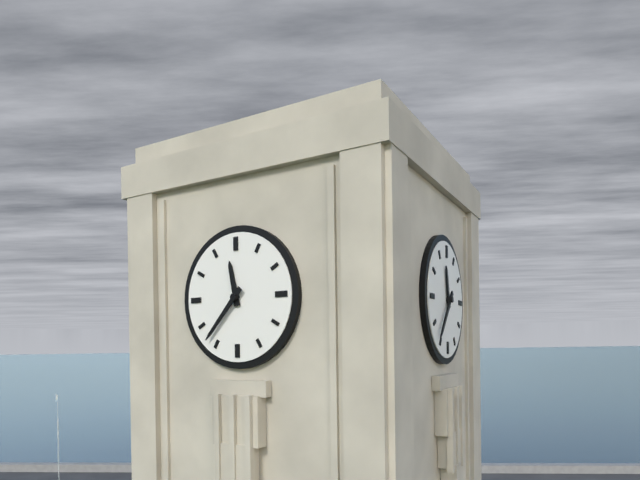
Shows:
{"hour": 11, "minute": 37}
